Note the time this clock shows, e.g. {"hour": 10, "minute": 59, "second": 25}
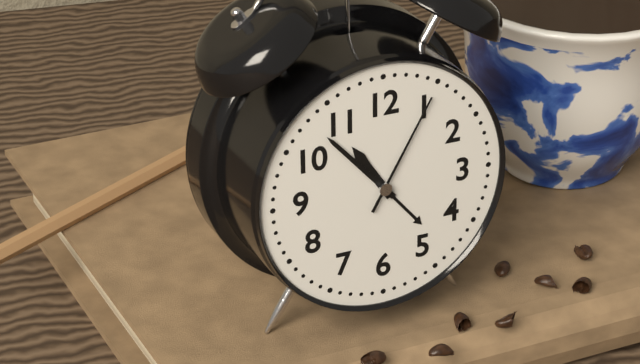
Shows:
{"hour": 10, "minute": 53, "second": 5}
